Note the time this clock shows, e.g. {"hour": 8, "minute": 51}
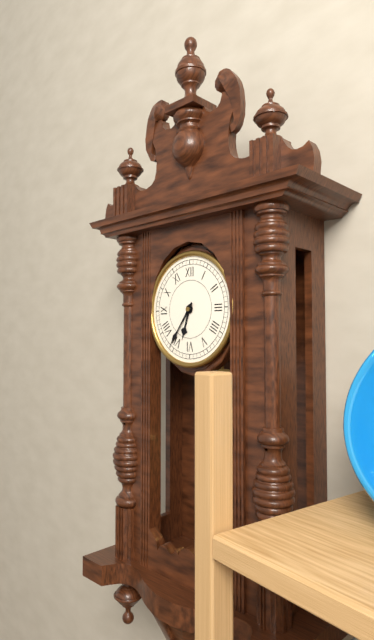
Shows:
{"hour": 6, "minute": 36}
